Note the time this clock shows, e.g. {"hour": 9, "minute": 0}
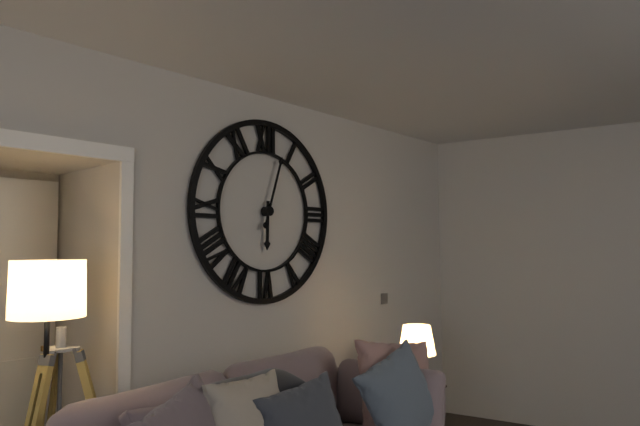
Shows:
{"hour": 6, "minute": 3}
